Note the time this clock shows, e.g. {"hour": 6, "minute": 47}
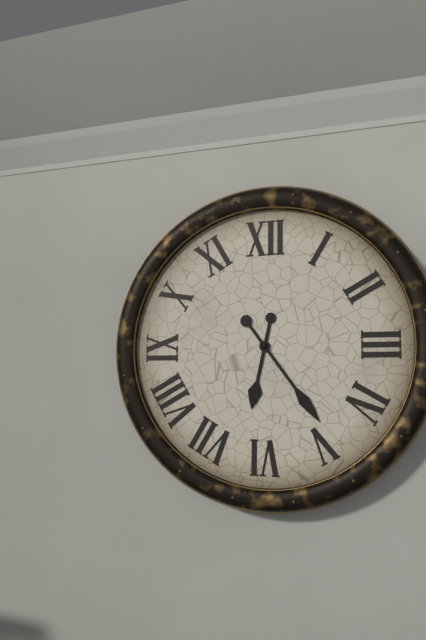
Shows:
{"hour": 6, "minute": 24}
